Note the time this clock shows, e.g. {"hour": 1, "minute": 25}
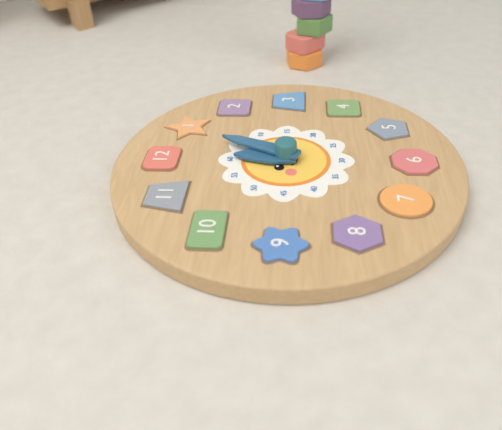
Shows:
{"hour": 12, "minute": 4}
